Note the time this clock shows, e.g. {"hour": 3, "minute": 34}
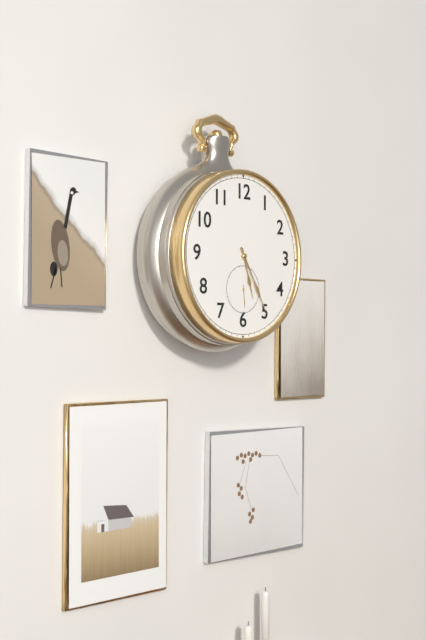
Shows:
{"hour": 5, "minute": 25}
